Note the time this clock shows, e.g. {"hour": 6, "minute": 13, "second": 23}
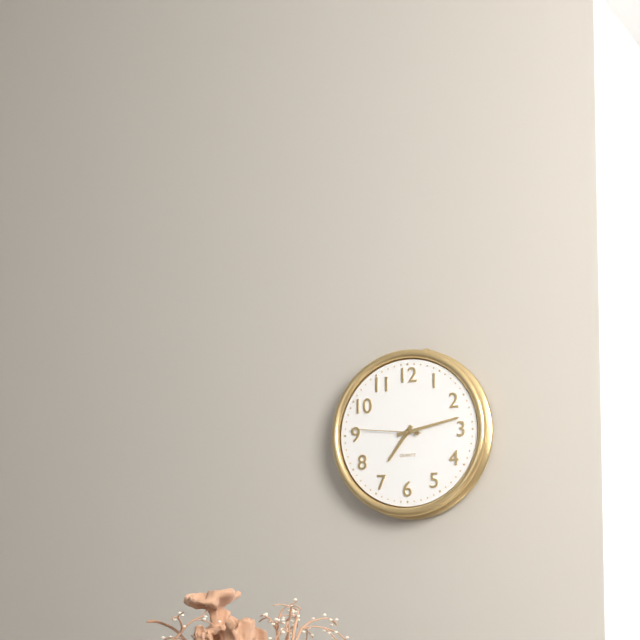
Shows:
{"hour": 7, "minute": 13, "second": 46}
